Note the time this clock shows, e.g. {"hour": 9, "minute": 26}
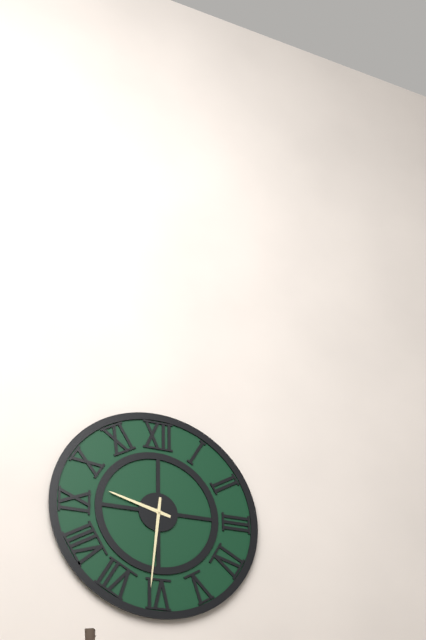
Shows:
{"hour": 9, "minute": 31}
